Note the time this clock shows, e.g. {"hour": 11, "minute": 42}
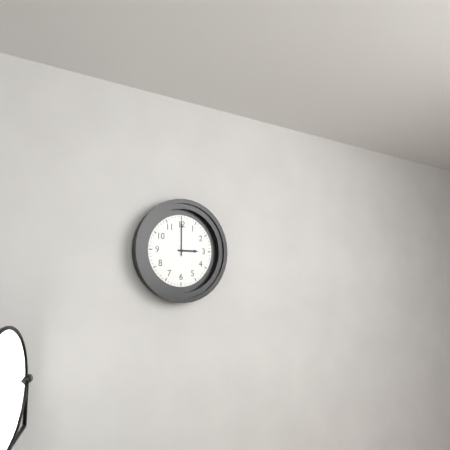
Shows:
{"hour": 3, "minute": 0}
